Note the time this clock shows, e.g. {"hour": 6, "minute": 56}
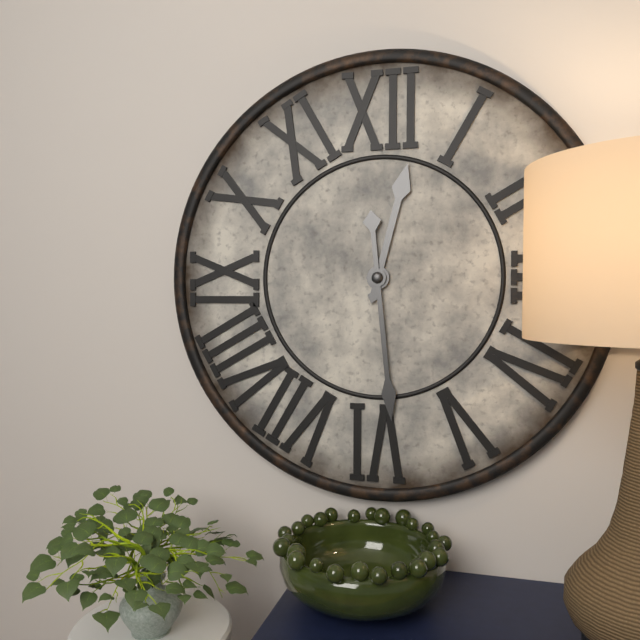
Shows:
{"hour": 12, "minute": 29}
